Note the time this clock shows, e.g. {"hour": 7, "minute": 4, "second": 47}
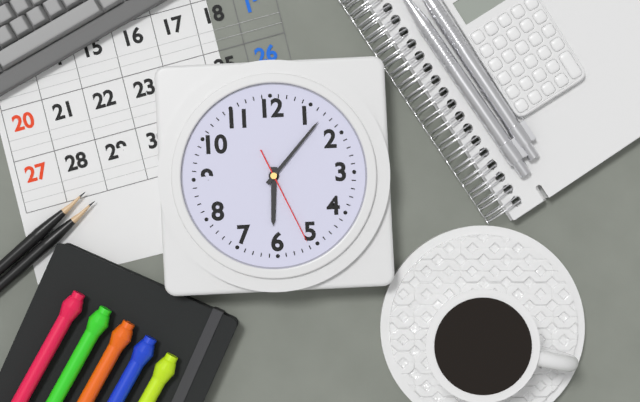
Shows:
{"hour": 6, "minute": 7, "second": 26}
